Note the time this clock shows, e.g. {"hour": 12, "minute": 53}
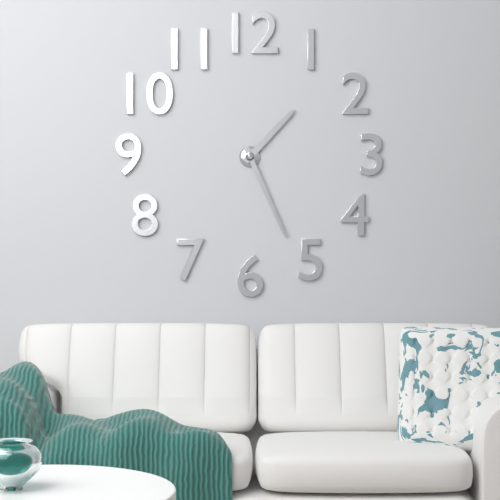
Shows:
{"hour": 1, "minute": 26}
